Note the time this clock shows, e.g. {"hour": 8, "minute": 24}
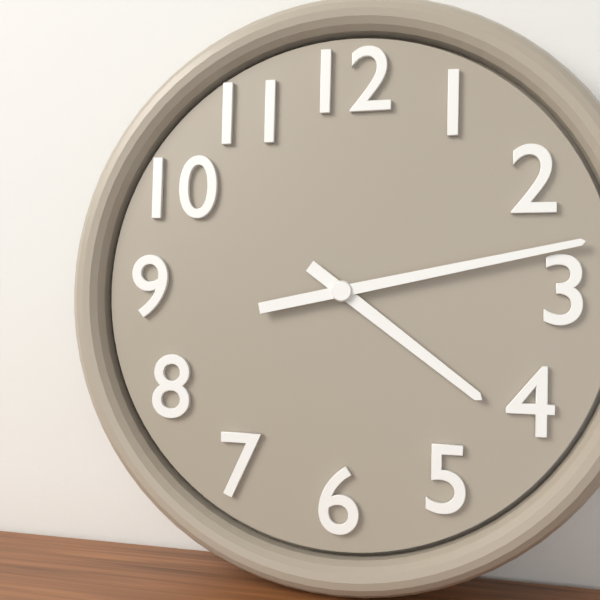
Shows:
{"hour": 4, "minute": 13}
